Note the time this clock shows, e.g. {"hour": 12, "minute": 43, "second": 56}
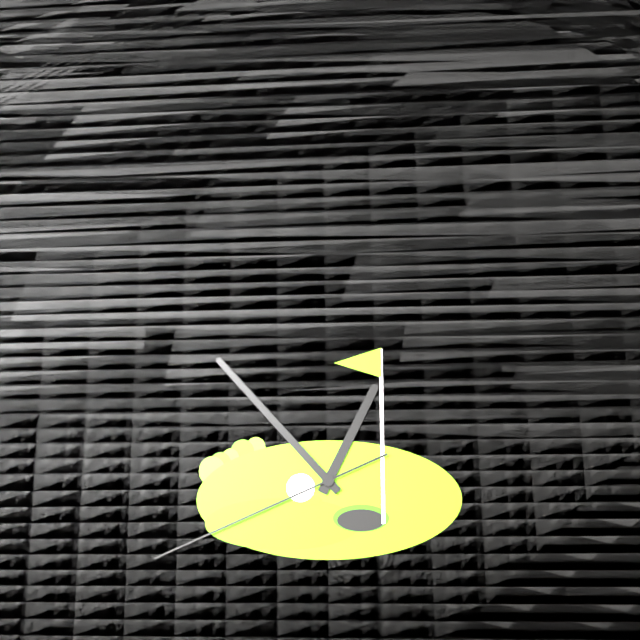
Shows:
{"hour": 12, "minute": 53, "second": 41}
